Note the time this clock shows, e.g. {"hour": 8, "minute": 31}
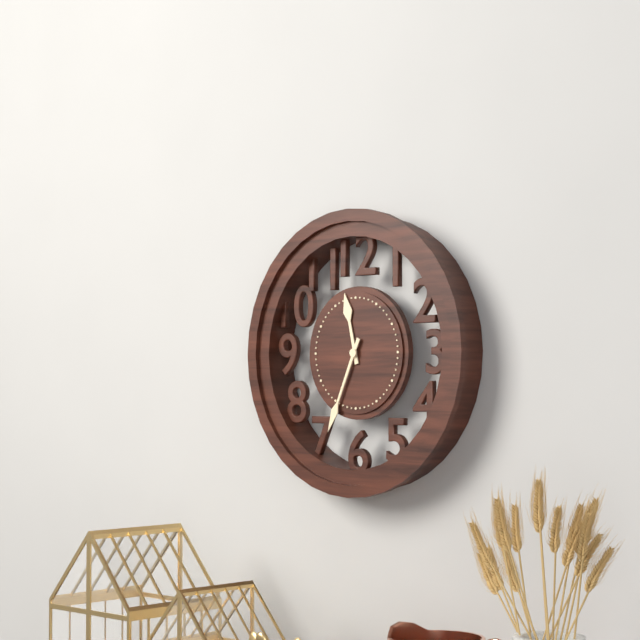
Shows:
{"hour": 11, "minute": 34}
